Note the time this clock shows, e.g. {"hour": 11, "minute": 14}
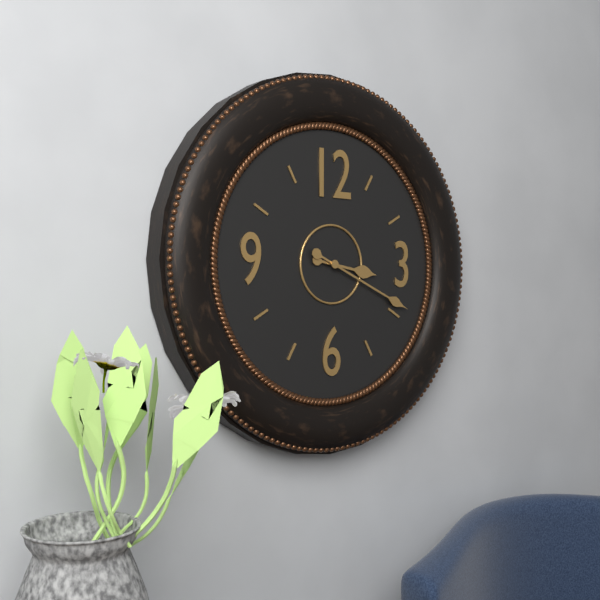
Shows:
{"hour": 3, "minute": 19}
